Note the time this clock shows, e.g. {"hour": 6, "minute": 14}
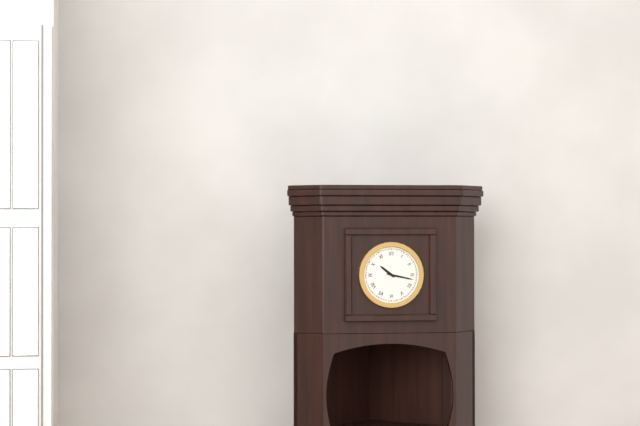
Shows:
{"hour": 10, "minute": 17}
